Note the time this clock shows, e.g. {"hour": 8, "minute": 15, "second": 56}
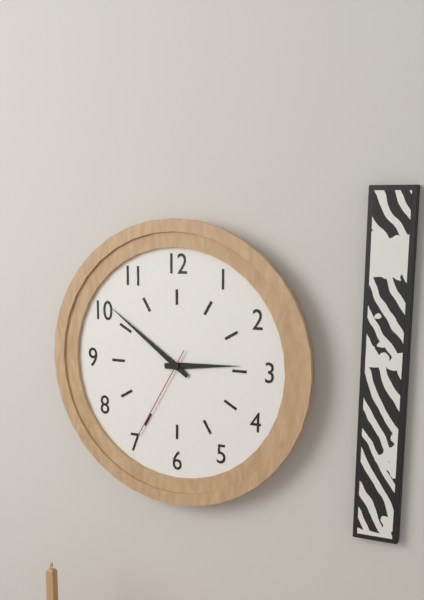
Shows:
{"hour": 2, "minute": 51, "second": 35}
